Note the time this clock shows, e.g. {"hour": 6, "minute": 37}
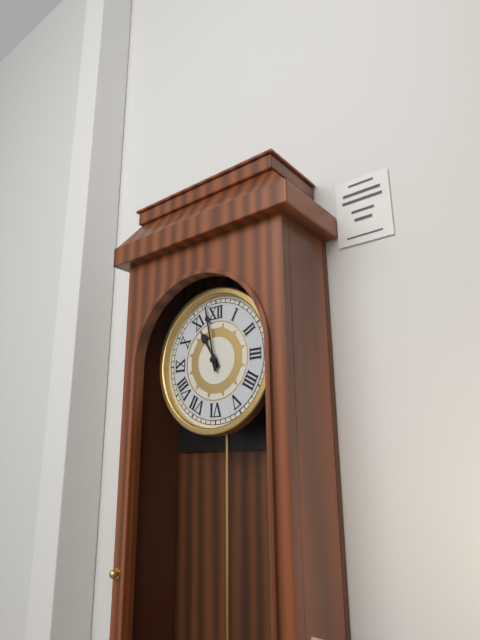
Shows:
{"hour": 10, "minute": 58}
